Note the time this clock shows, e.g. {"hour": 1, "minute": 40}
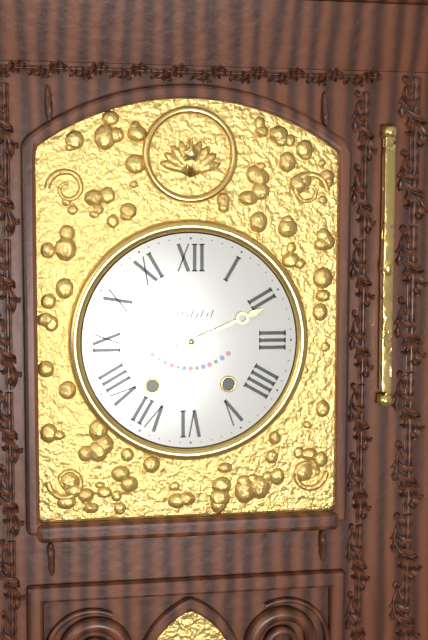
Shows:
{"hour": 10, "minute": 11}
